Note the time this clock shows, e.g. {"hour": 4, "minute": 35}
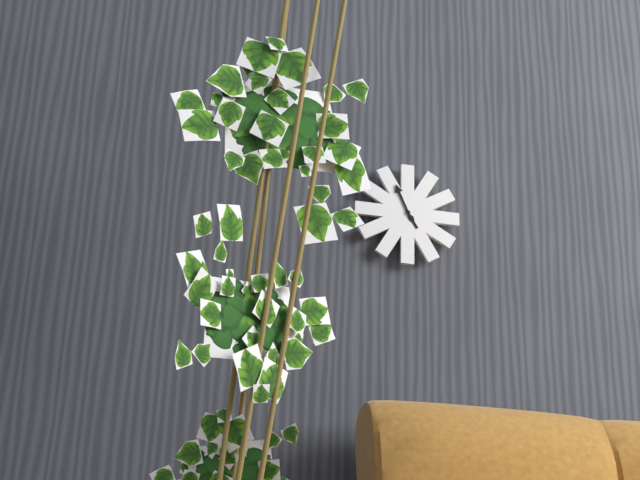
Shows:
{"hour": 4, "minute": 56}
